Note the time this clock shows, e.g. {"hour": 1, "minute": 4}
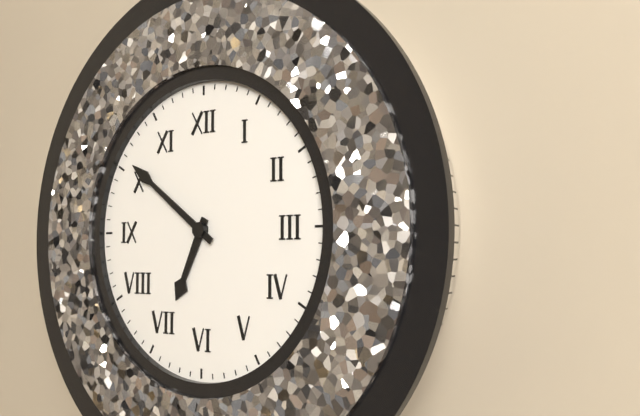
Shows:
{"hour": 6, "minute": 51}
